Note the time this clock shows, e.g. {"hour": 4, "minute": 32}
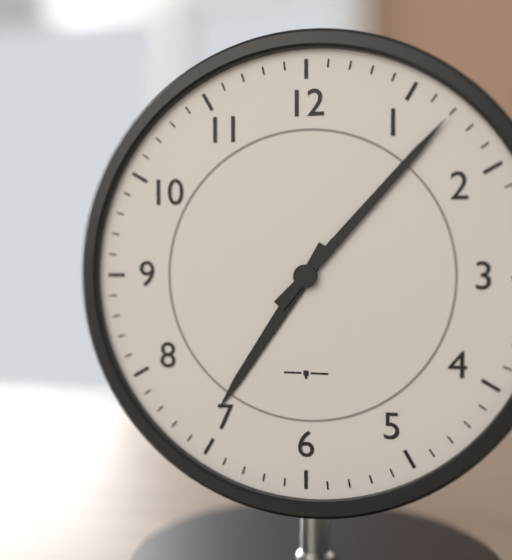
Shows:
{"hour": 7, "minute": 7}
